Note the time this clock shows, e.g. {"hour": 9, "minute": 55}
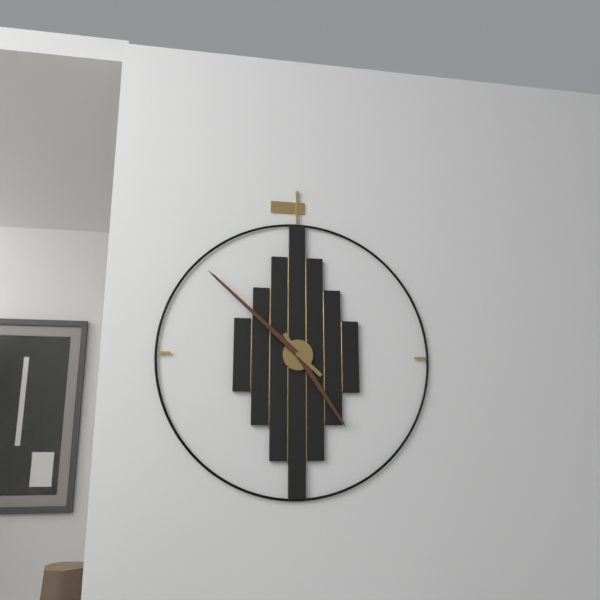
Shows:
{"hour": 4, "minute": 52}
